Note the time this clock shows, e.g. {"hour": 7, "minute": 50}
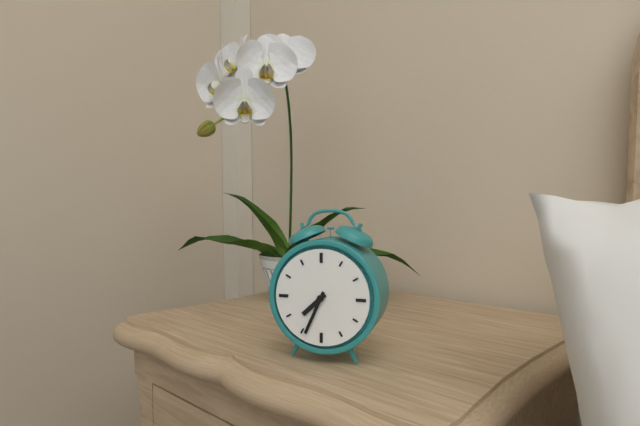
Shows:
{"hour": 7, "minute": 34}
